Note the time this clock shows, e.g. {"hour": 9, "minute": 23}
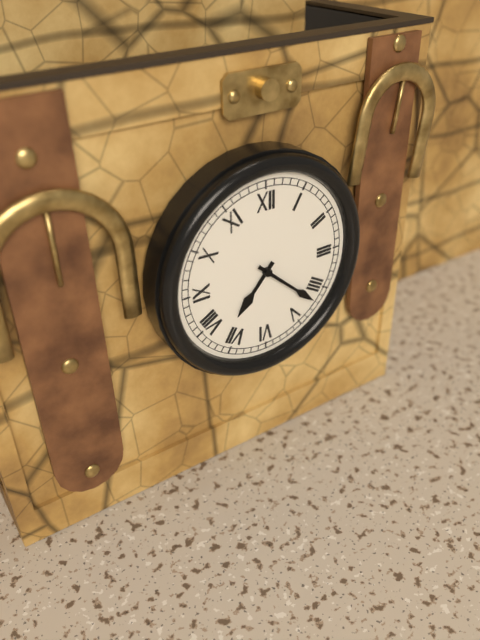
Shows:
{"hour": 7, "minute": 22}
